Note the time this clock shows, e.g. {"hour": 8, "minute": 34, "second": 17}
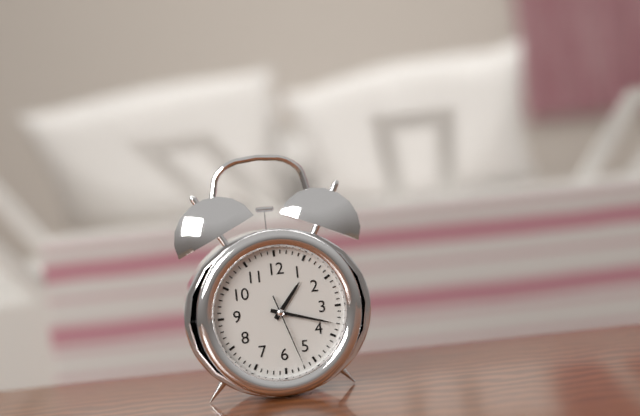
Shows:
{"hour": 1, "minute": 18, "second": 27}
